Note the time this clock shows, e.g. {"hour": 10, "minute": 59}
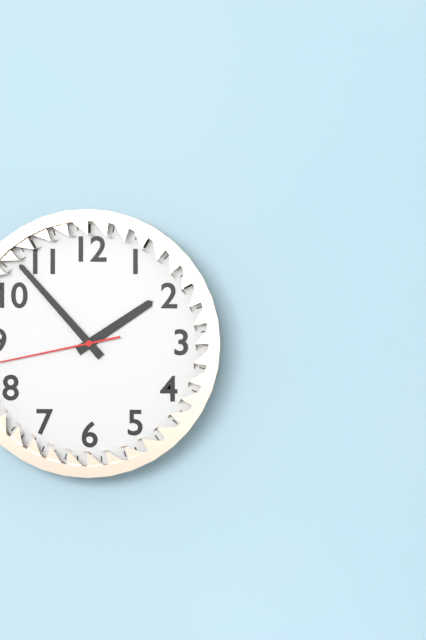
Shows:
{"hour": 1, "minute": 53}
